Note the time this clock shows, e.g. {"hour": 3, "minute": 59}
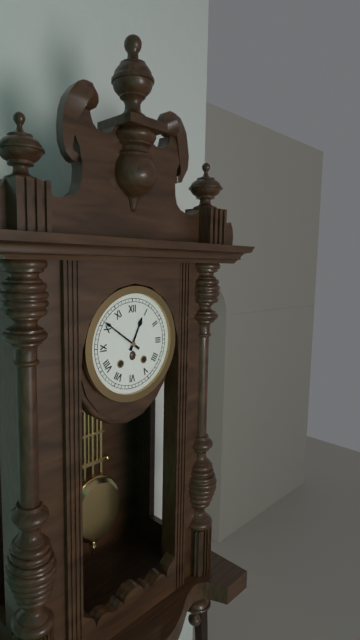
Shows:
{"hour": 12, "minute": 51}
